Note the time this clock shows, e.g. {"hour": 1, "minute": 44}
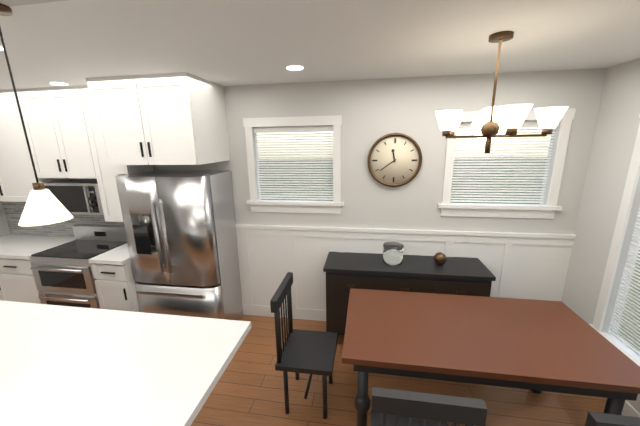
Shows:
{"hour": 11, "minute": 39}
